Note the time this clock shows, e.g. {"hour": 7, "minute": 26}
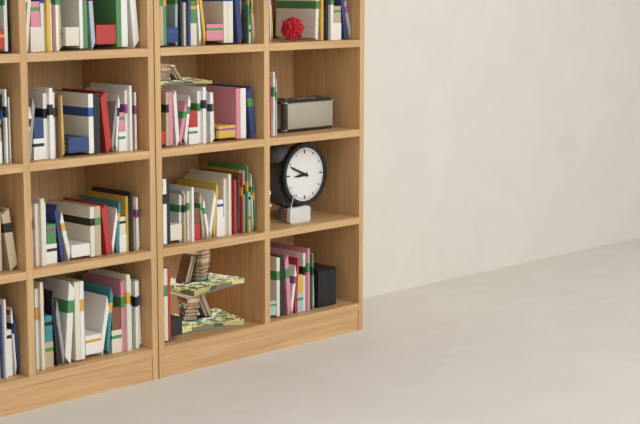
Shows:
{"hour": 8, "minute": 49}
